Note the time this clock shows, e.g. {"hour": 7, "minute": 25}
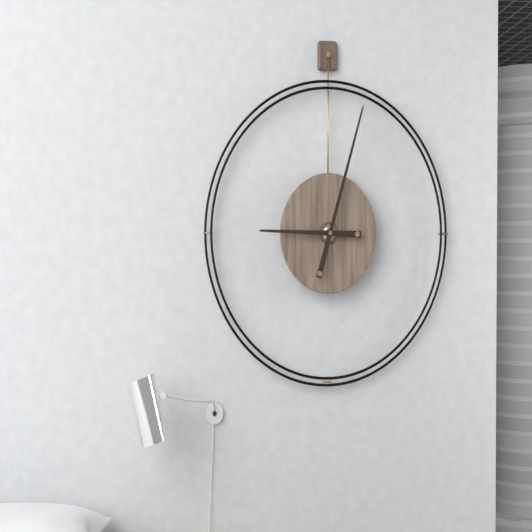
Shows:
{"hour": 9, "minute": 3}
